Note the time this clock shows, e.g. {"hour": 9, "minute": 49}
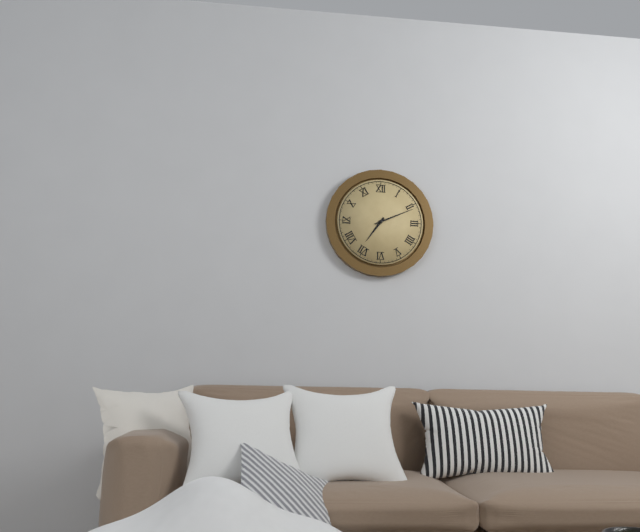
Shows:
{"hour": 7, "minute": 11}
